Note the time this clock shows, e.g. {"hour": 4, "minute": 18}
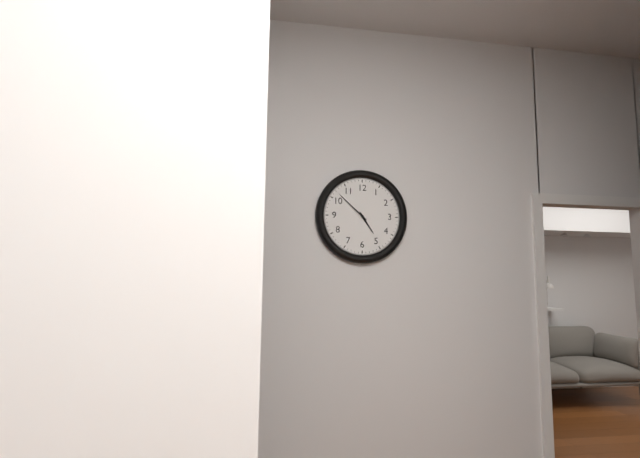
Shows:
{"hour": 4, "minute": 52}
